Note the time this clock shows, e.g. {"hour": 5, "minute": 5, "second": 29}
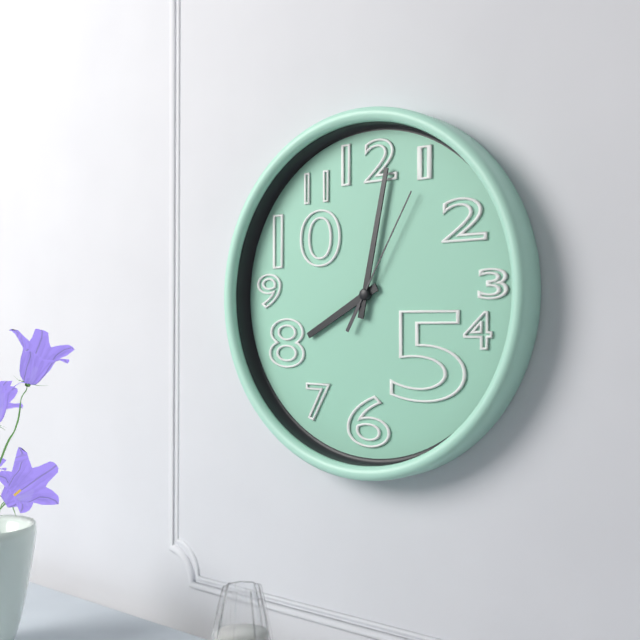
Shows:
{"hour": 8, "minute": 2, "second": 5}
